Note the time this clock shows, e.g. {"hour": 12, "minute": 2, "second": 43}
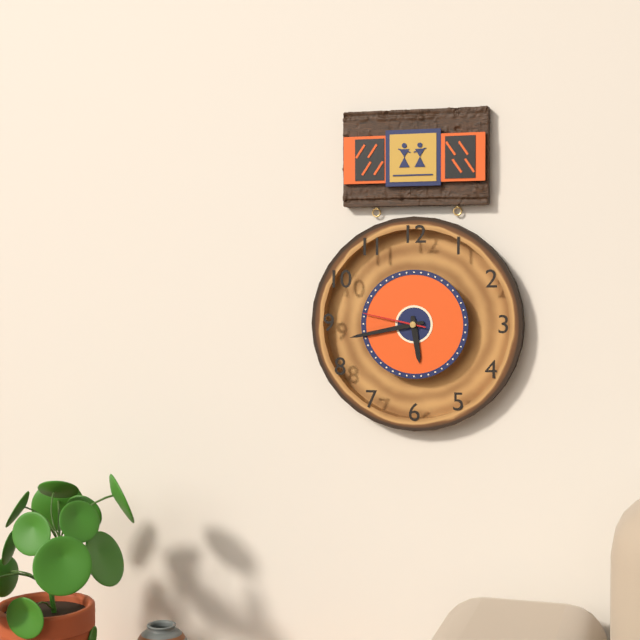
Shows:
{"hour": 5, "minute": 43, "second": 47}
